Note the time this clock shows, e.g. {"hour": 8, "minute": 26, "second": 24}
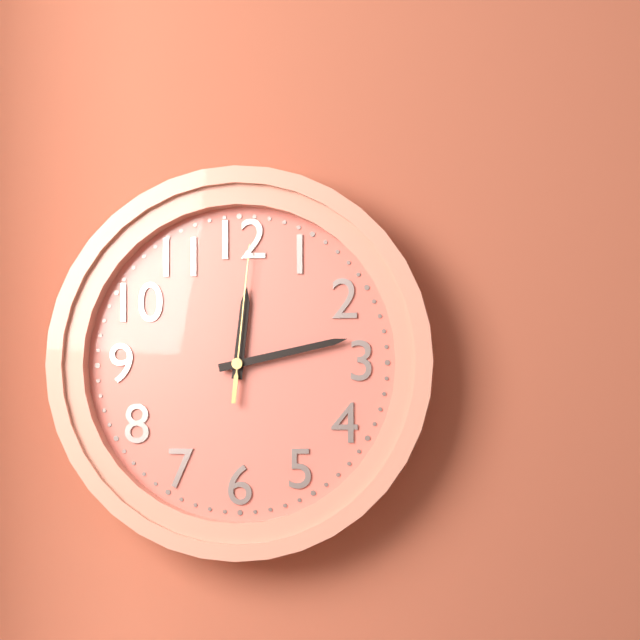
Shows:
{"hour": 12, "minute": 13, "second": 1}
